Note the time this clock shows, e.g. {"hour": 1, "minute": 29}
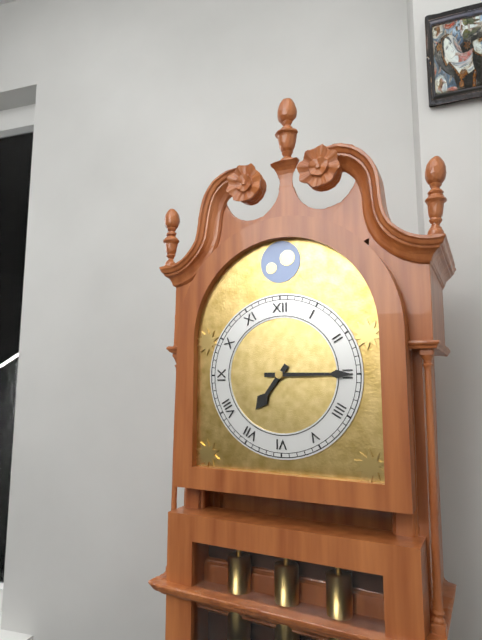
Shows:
{"hour": 7, "minute": 15}
